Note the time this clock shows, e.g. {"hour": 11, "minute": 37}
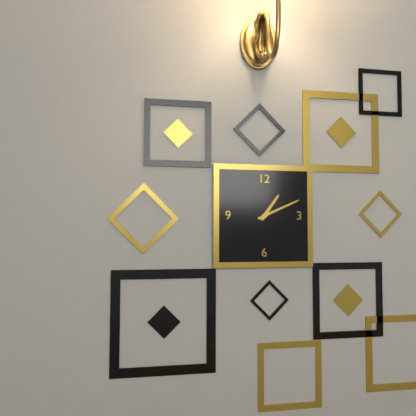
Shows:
{"hour": 1, "minute": 11}
